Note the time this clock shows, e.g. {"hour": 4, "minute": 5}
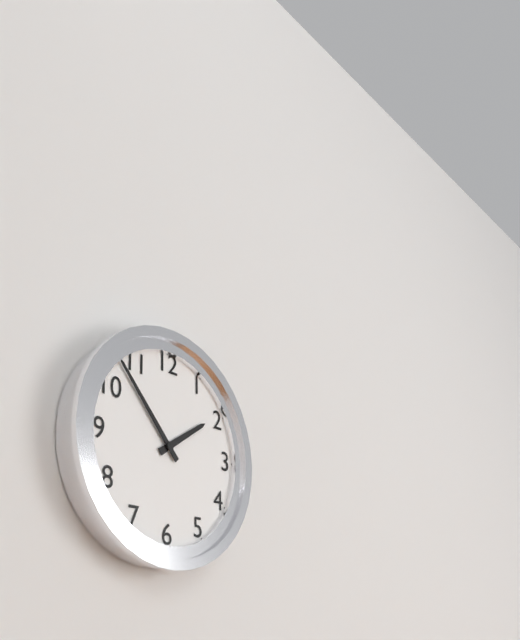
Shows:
{"hour": 1, "minute": 53}
